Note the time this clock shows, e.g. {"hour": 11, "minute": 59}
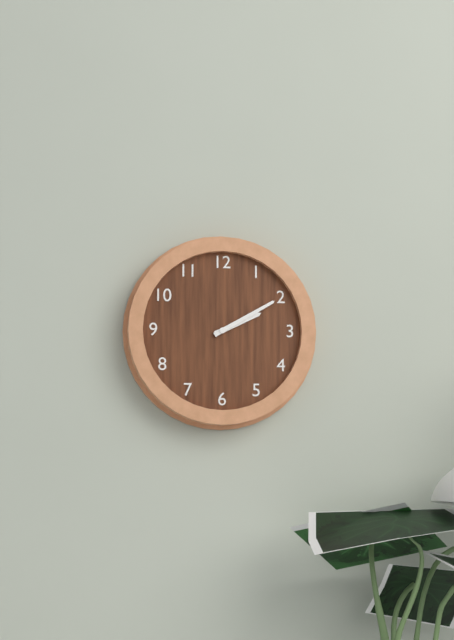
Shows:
{"hour": 2, "minute": 10}
